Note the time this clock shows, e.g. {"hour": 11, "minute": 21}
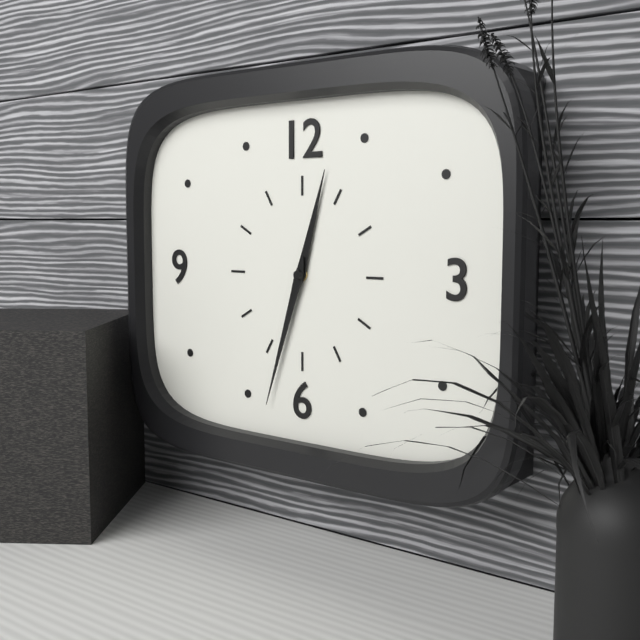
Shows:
{"hour": 12, "minute": 33}
